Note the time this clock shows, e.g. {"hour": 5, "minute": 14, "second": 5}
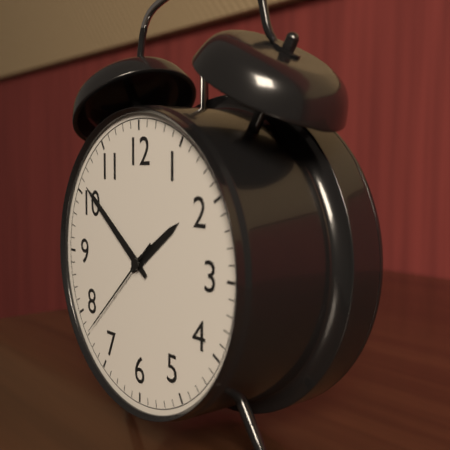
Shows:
{"hour": 1, "minute": 51, "second": 38}
